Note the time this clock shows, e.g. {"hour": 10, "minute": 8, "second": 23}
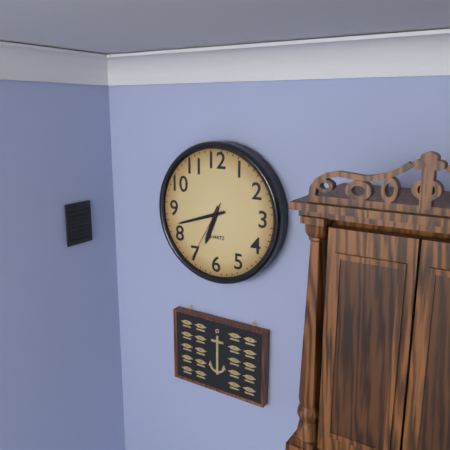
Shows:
{"hour": 6, "minute": 42, "second": 35}
